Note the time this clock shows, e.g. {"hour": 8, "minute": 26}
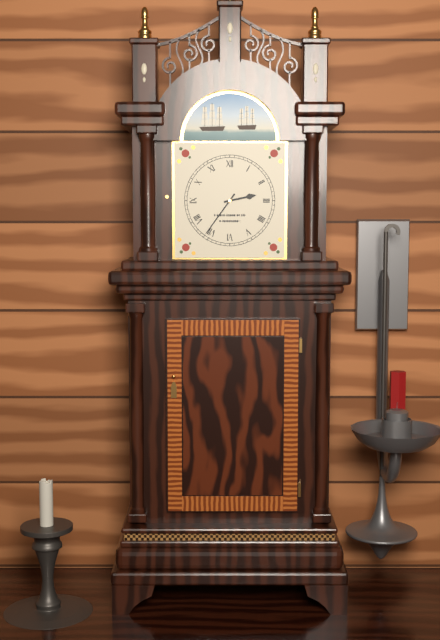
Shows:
{"hour": 2, "minute": 36}
